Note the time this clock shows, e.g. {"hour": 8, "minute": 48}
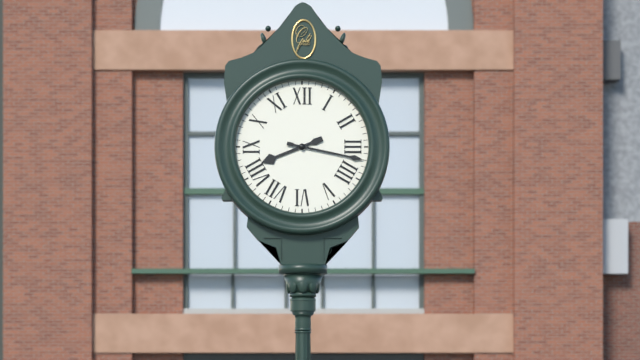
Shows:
{"hour": 8, "minute": 17}
